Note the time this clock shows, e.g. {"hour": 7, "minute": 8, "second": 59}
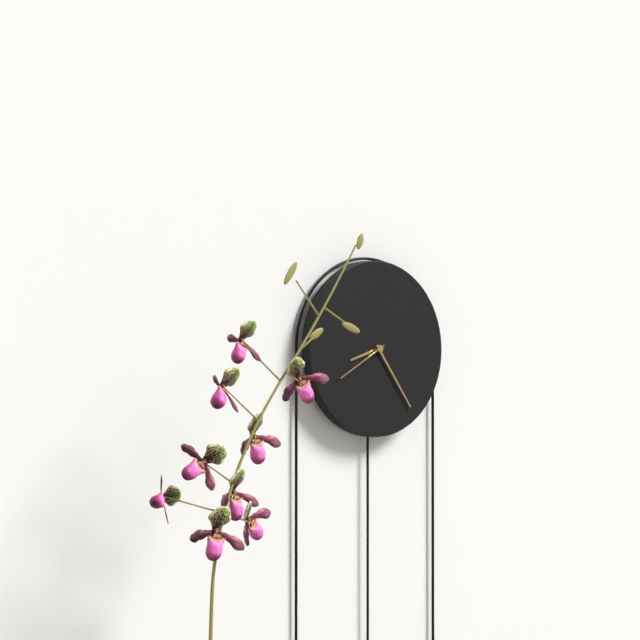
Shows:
{"hour": 8, "minute": 24, "second": 40}
